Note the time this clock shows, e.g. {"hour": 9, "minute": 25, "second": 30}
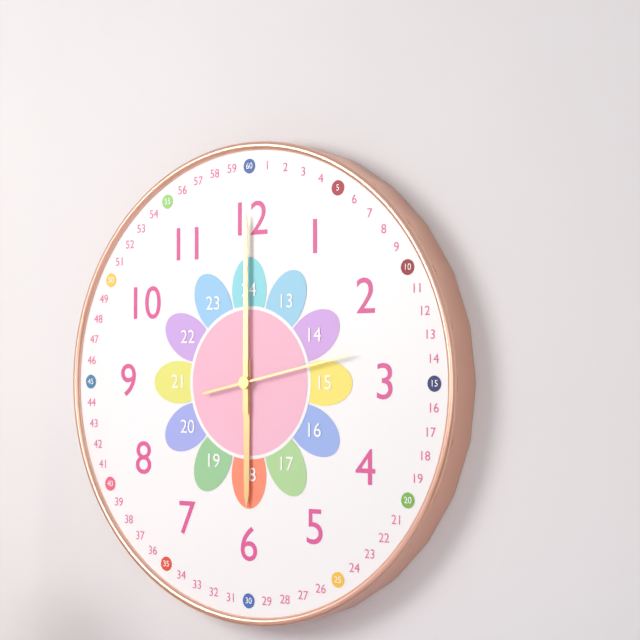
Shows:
{"hour": 6, "minute": 0, "second": 13}
